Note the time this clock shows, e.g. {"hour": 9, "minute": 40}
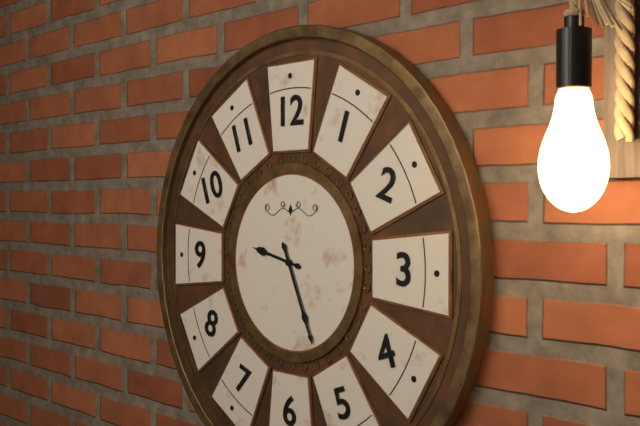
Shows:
{"hour": 9, "minute": 26}
